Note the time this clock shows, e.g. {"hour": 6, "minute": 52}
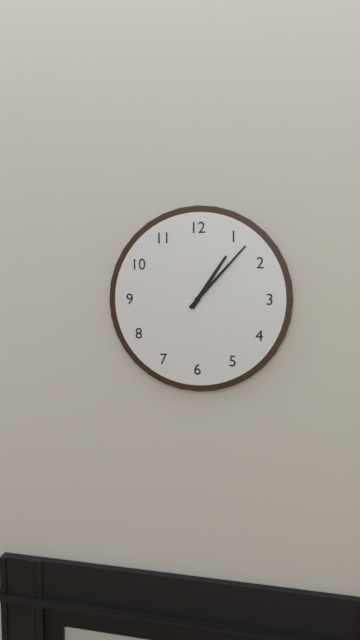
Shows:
{"hour": 1, "minute": 7}
